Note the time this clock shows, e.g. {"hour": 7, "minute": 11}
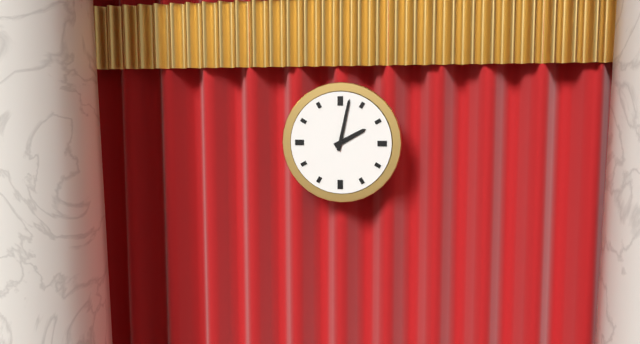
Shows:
{"hour": 2, "minute": 2}
